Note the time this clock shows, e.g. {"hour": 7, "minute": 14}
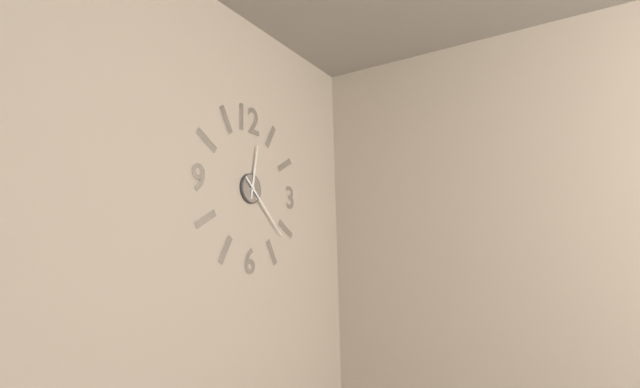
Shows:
{"hour": 12, "minute": 22}
